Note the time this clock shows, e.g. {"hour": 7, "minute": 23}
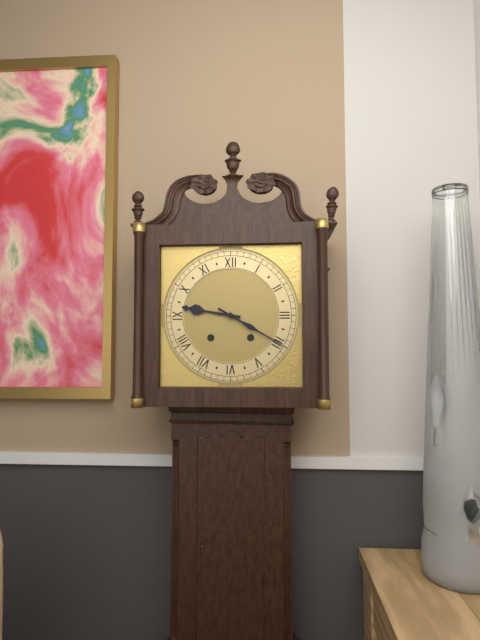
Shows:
{"hour": 9, "minute": 20}
